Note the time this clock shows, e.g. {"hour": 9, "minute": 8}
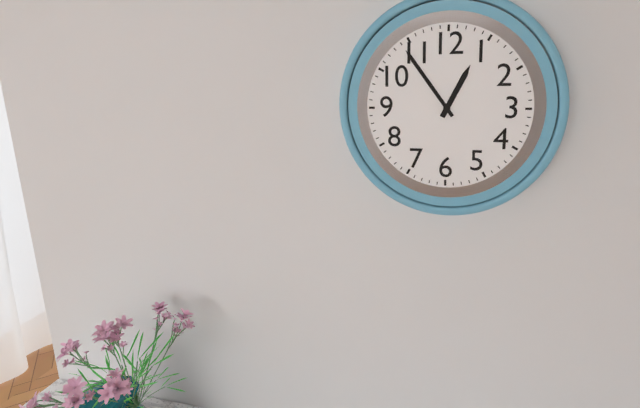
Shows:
{"hour": 12, "minute": 54}
